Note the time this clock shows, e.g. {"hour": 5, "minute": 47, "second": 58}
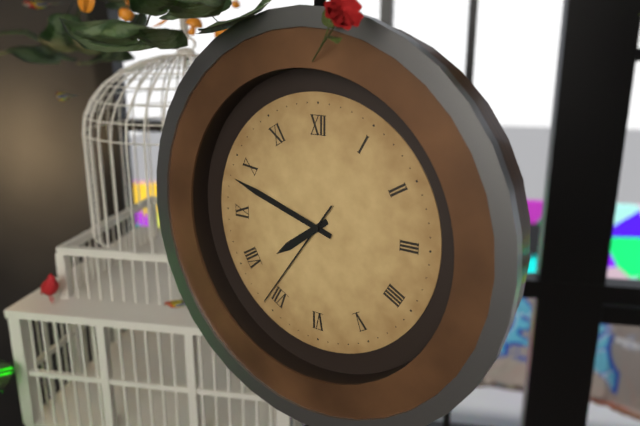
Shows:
{"hour": 7, "minute": 48, "second": 36}
